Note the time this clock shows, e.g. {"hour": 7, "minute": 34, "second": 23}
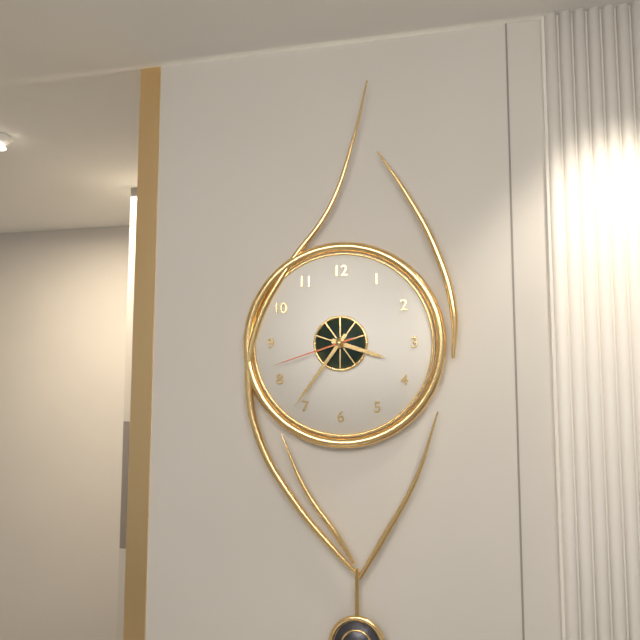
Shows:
{"hour": 3, "minute": 36, "second": 42}
